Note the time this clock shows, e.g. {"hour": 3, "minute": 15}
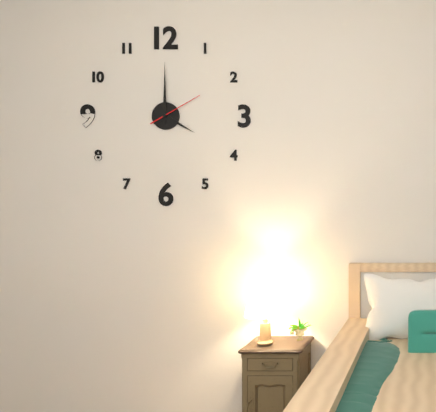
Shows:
{"hour": 4, "minute": 0}
